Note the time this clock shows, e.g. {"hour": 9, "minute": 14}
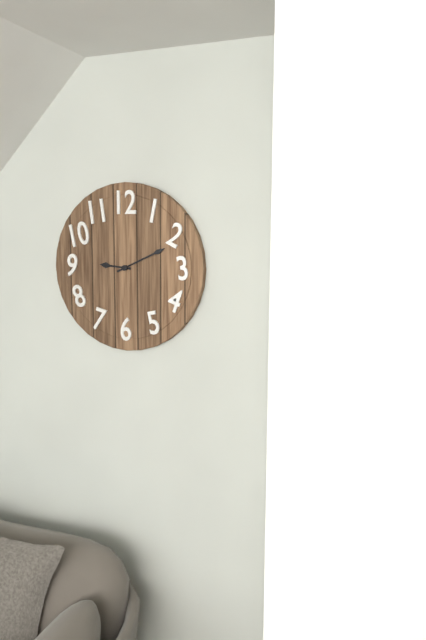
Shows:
{"hour": 9, "minute": 11}
